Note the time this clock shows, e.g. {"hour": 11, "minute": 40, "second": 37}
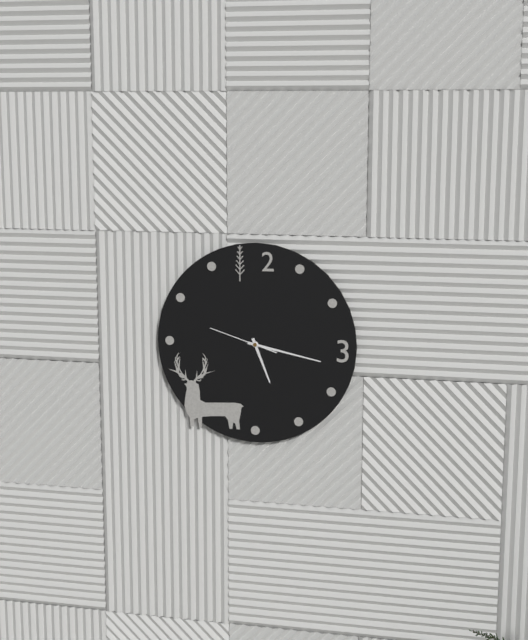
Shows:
{"hour": 5, "minute": 17, "second": 48}
